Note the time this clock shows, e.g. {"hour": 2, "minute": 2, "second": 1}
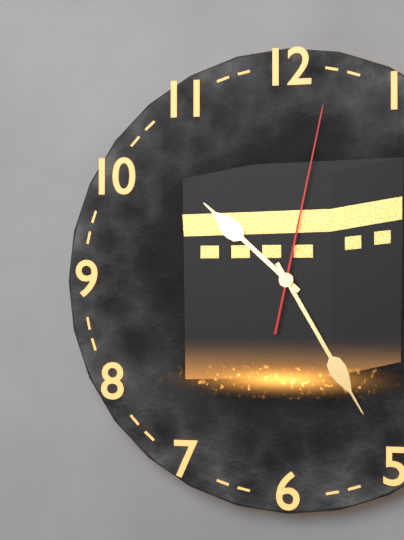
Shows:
{"hour": 10, "minute": 25, "second": 2}
